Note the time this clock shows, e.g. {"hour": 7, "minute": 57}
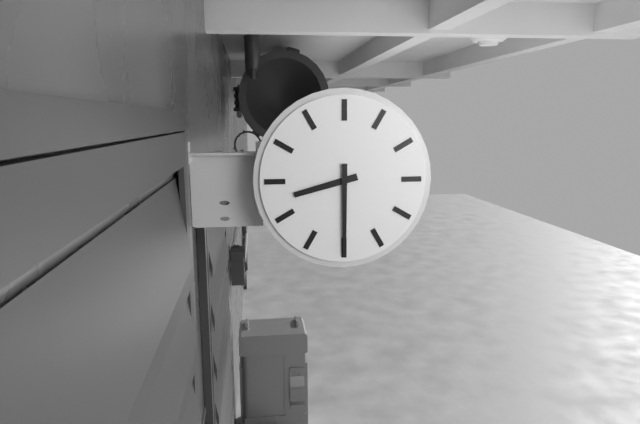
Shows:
{"hour": 8, "minute": 30}
